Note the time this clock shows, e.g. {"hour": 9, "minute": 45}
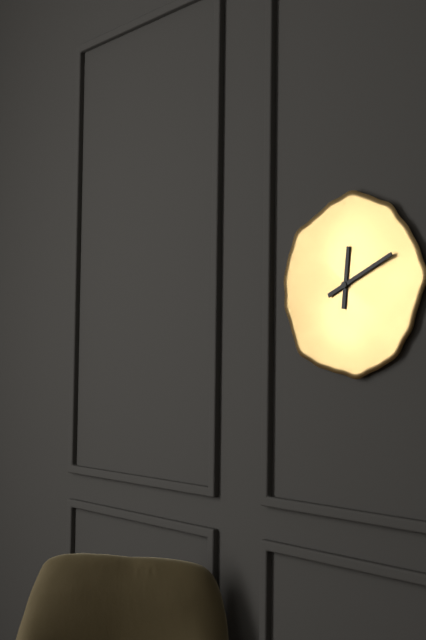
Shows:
{"hour": 12, "minute": 11}
